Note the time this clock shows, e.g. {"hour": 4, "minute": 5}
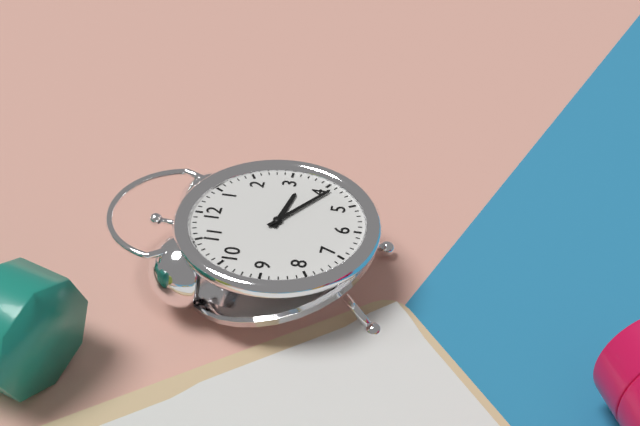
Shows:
{"hour": 3, "minute": 21}
